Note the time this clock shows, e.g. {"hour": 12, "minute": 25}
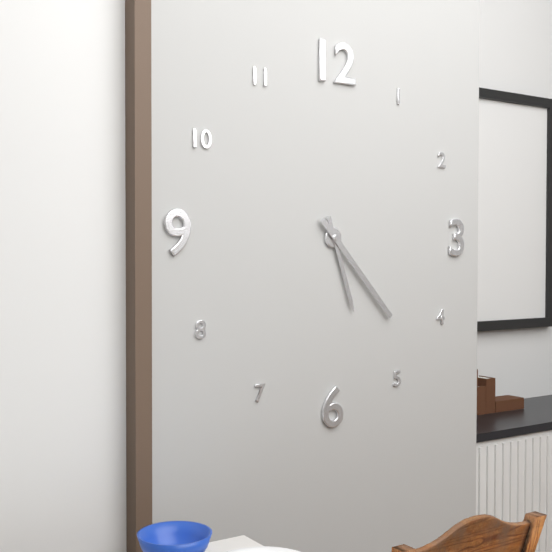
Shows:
{"hour": 5, "minute": 23}
